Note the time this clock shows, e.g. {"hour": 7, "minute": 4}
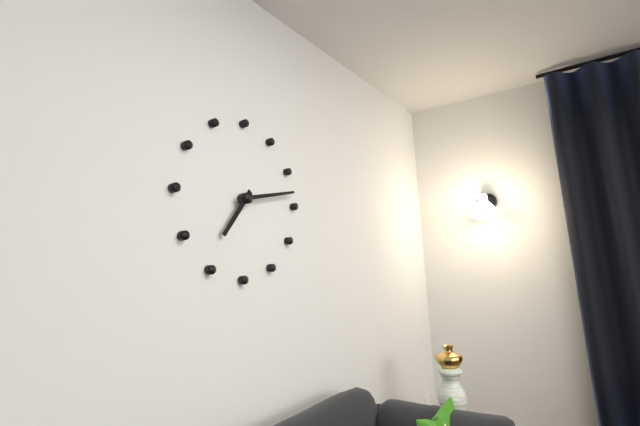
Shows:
{"hour": 7, "minute": 13}
